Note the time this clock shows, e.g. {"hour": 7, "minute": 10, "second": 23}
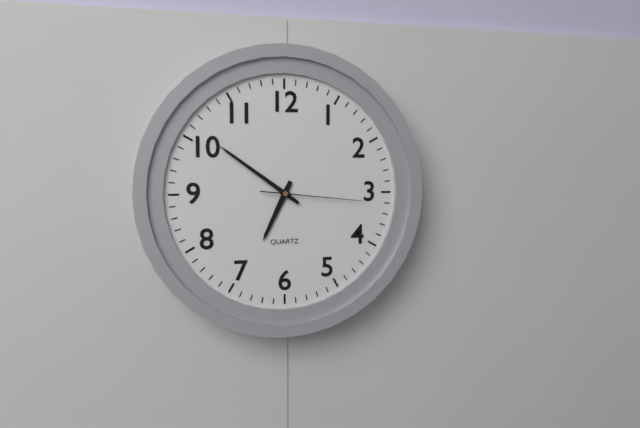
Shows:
{"hour": 6, "minute": 51, "second": 16}
